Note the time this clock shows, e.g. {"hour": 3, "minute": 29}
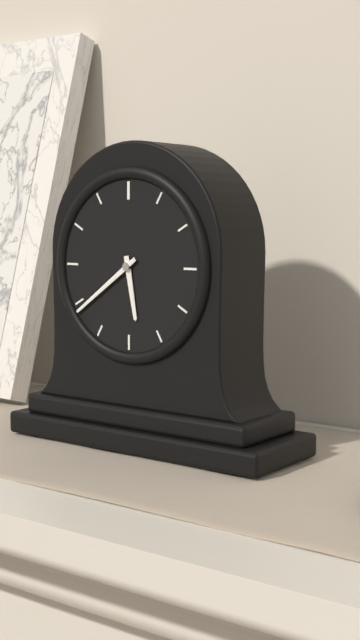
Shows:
{"hour": 5, "minute": 39}
